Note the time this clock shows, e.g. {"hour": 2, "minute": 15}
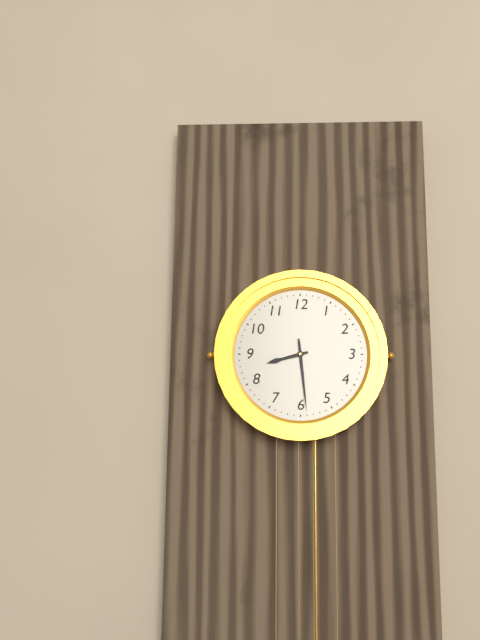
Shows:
{"hour": 8, "minute": 29}
